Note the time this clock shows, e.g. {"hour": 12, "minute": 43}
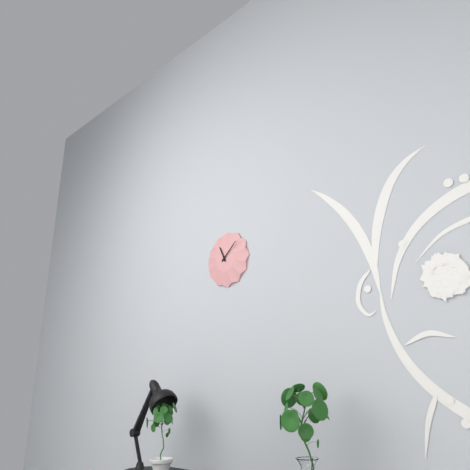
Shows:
{"hour": 11, "minute": 8}
